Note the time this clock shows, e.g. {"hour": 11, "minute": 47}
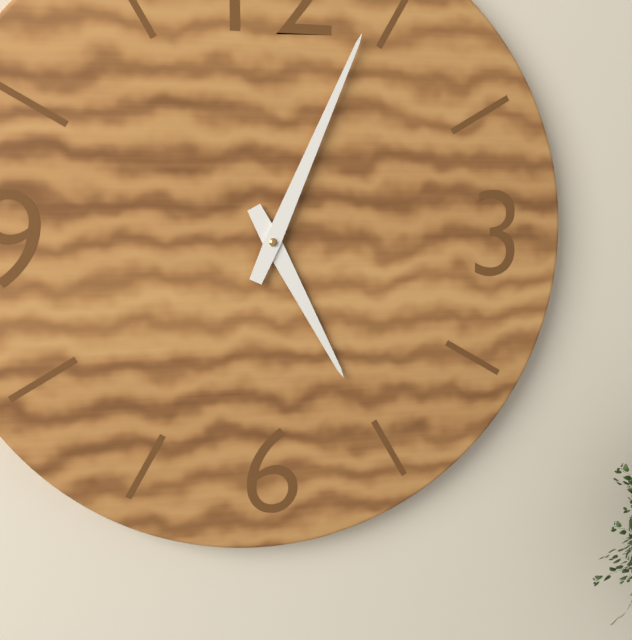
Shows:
{"hour": 5, "minute": 4}
